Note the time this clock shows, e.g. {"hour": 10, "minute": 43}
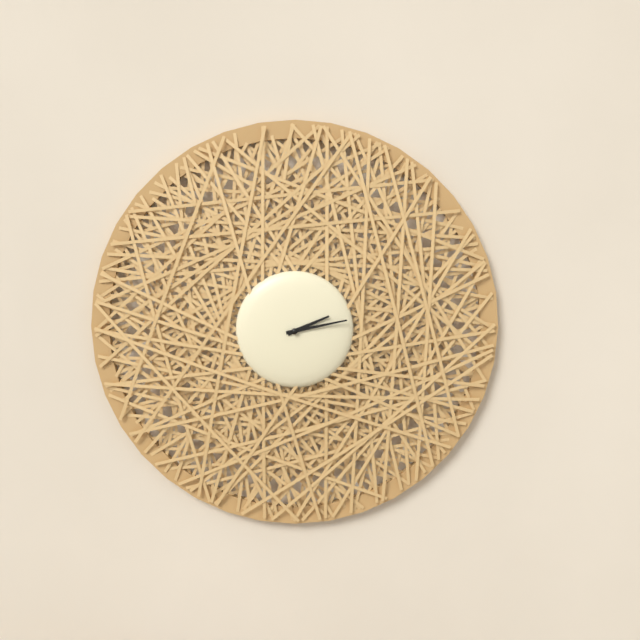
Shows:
{"hour": 2, "minute": 13}
